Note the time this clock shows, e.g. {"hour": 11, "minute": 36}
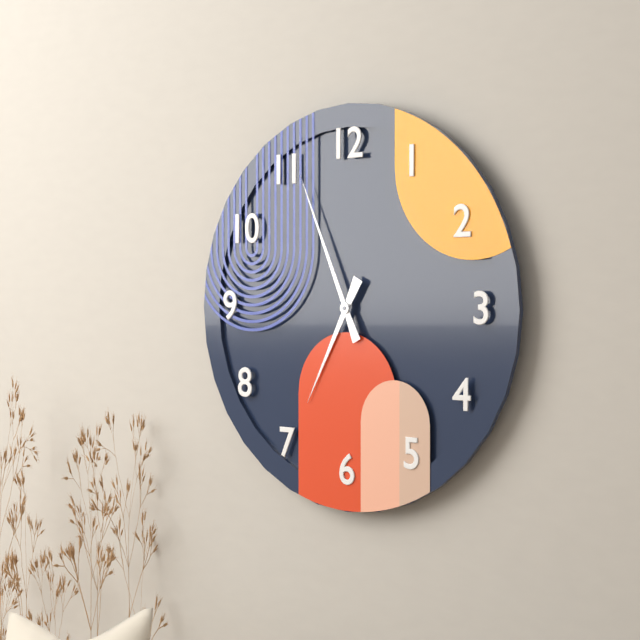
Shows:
{"hour": 6, "minute": 56}
